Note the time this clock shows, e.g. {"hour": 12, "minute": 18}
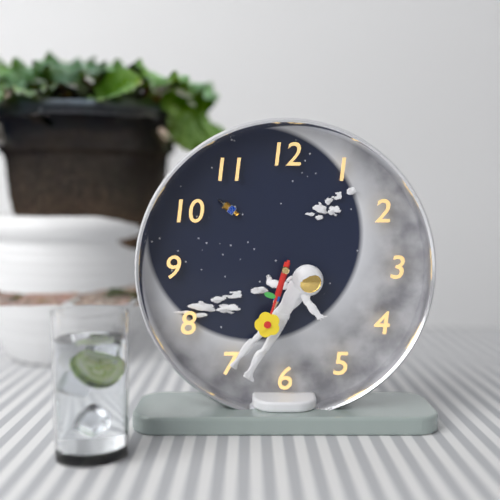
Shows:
{"hour": 6, "minute": 33}
